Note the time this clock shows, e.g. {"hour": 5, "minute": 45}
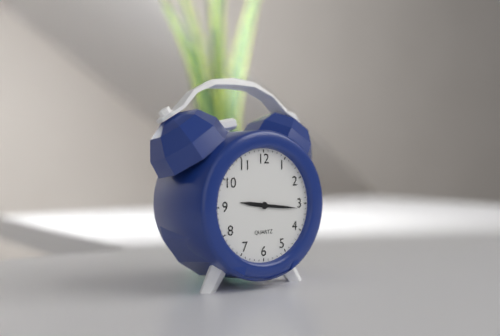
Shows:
{"hour": 9, "minute": 16}
